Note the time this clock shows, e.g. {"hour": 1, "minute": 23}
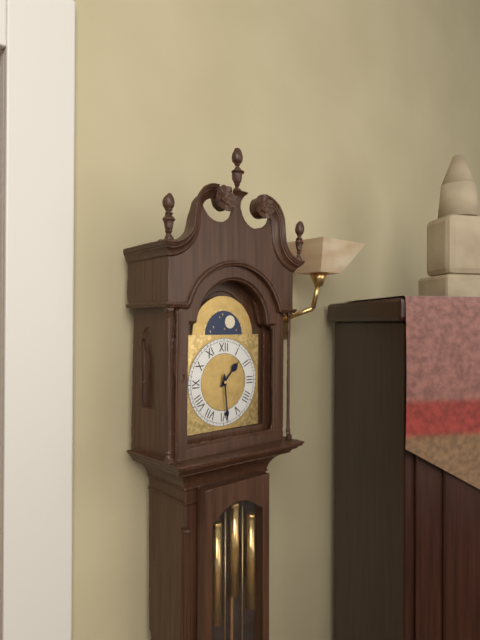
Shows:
{"hour": 1, "minute": 29}
